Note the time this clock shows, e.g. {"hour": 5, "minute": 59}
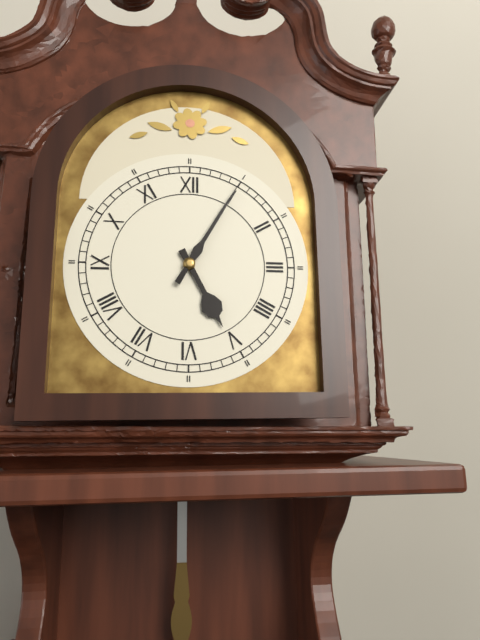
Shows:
{"hour": 5, "minute": 5}
